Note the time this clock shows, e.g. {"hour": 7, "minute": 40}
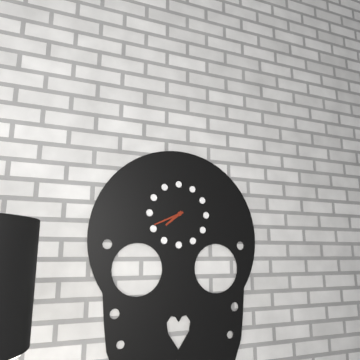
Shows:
{"hour": 7, "minute": 41}
